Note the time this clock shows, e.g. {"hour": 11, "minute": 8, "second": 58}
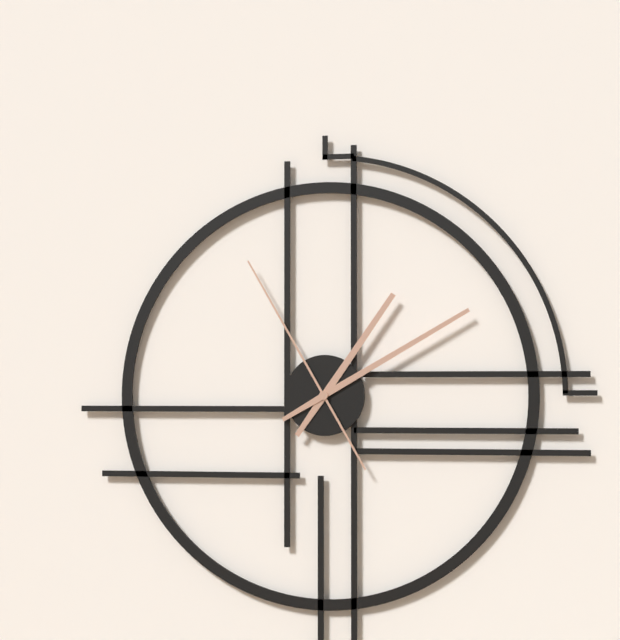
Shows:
{"hour": 1, "minute": 10, "second": 55}
